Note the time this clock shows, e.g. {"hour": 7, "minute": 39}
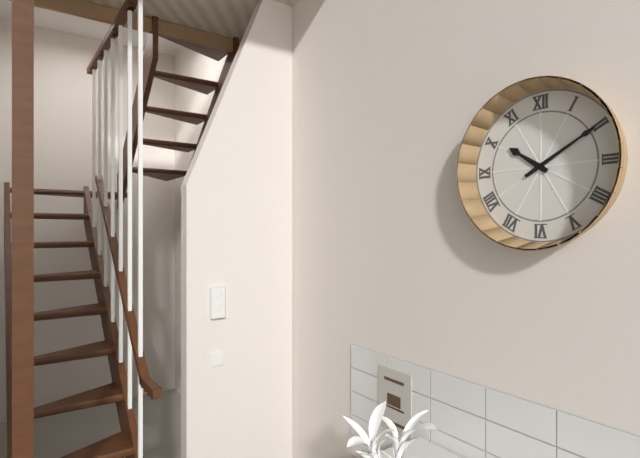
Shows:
{"hour": 10, "minute": 10}
